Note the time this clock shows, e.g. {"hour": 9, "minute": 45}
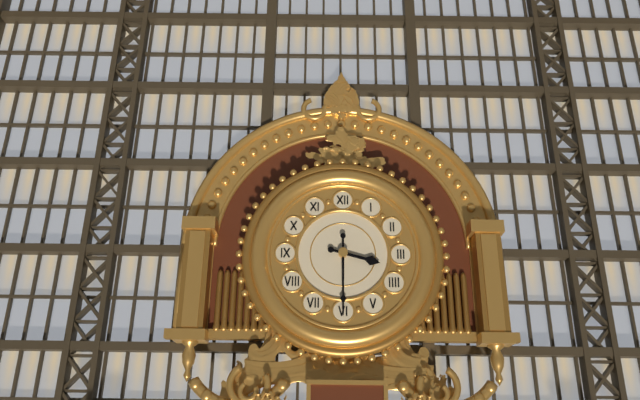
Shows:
{"hour": 3, "minute": 30}
